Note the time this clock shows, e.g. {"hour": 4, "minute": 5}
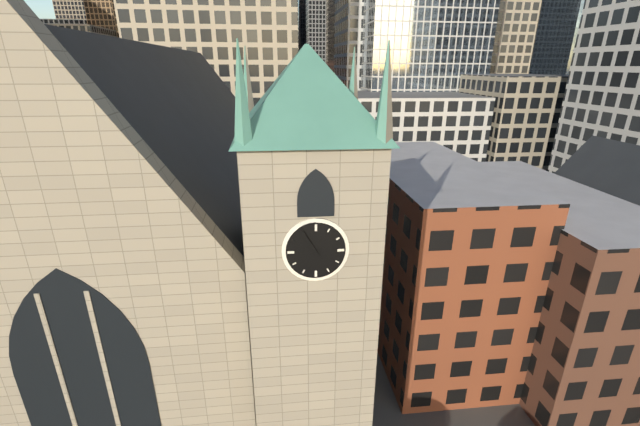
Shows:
{"hour": 10, "minute": 55}
